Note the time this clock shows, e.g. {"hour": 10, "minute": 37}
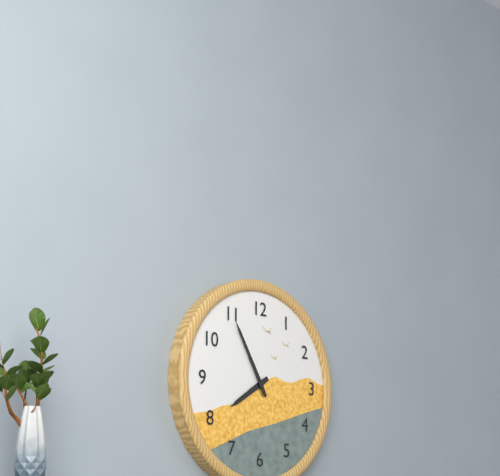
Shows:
{"hour": 7, "minute": 55}
